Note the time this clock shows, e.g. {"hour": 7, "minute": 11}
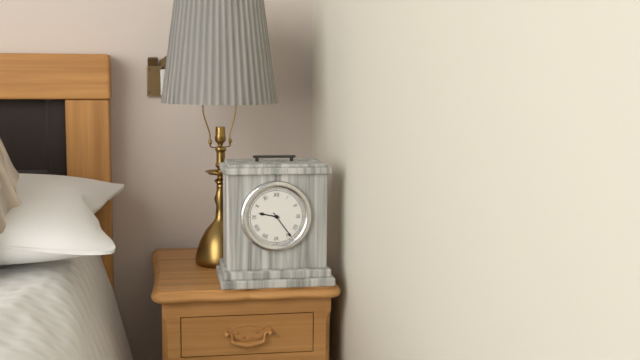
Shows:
{"hour": 9, "minute": 24}
